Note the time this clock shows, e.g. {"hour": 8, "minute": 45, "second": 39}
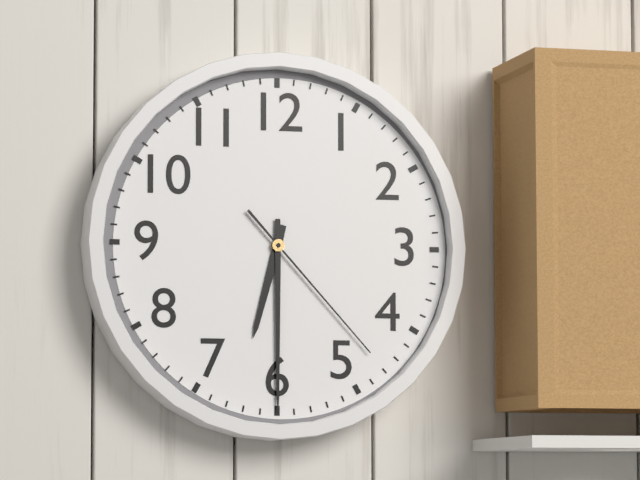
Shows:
{"hour": 6, "minute": 30, "second": 23}
